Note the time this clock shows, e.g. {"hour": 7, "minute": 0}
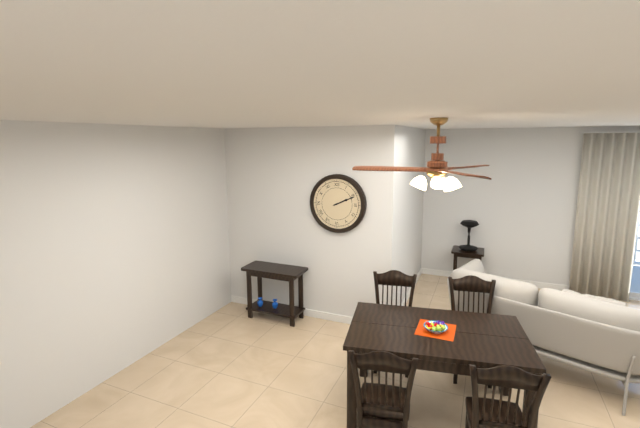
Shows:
{"hour": 2, "minute": 11}
